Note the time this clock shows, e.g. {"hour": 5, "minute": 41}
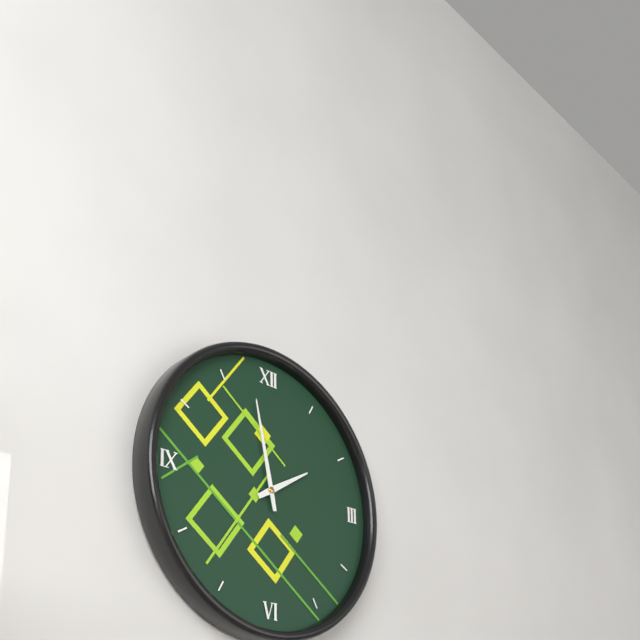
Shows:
{"hour": 1, "minute": 58}
